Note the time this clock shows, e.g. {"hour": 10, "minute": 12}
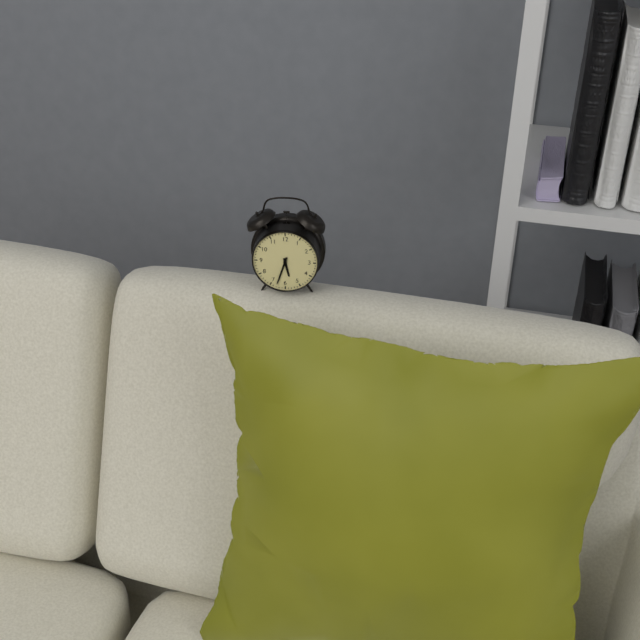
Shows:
{"hour": 5, "minute": 33}
